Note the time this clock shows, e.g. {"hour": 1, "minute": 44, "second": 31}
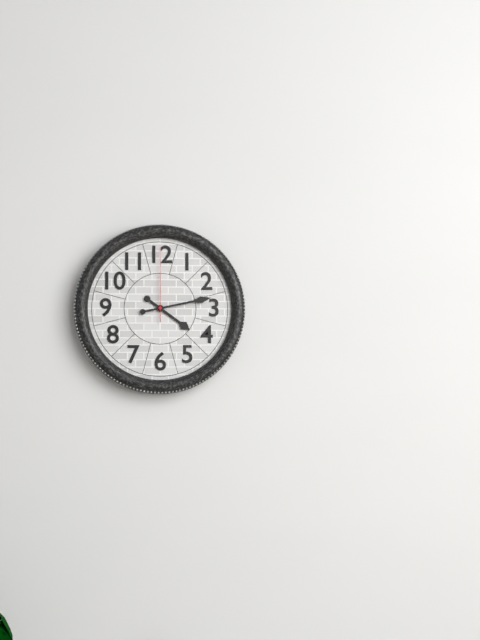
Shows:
{"hour": 4, "minute": 13, "second": 0}
